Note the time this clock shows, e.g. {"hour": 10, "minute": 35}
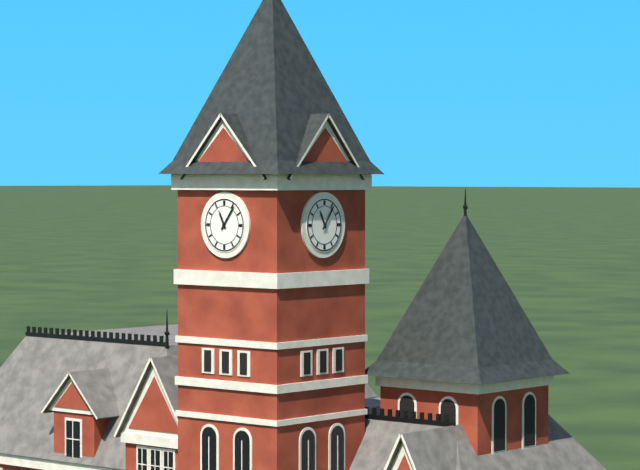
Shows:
{"hour": 11, "minute": 6}
